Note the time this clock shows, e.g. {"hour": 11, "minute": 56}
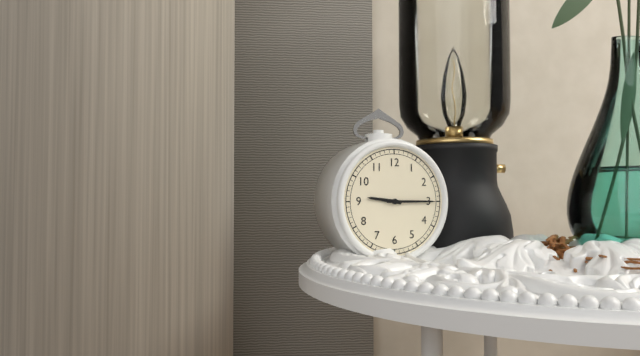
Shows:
{"hour": 9, "minute": 15}
